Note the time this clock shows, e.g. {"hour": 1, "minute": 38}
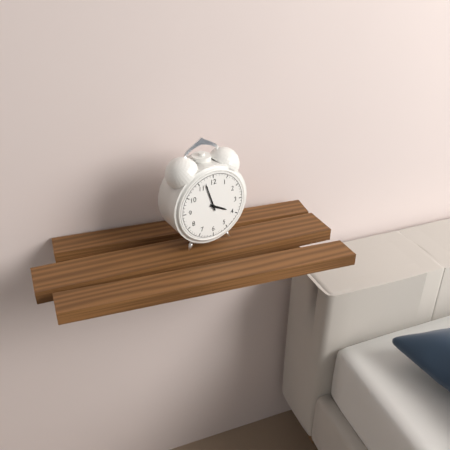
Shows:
{"hour": 3, "minute": 57}
